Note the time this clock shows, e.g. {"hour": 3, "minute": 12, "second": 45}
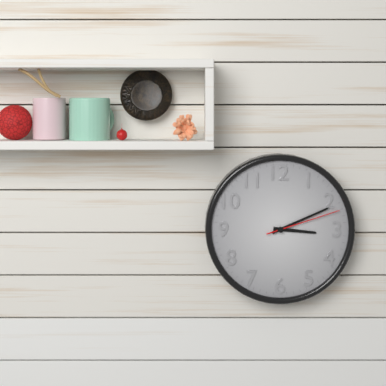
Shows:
{"hour": 3, "minute": 11, "second": 12}
